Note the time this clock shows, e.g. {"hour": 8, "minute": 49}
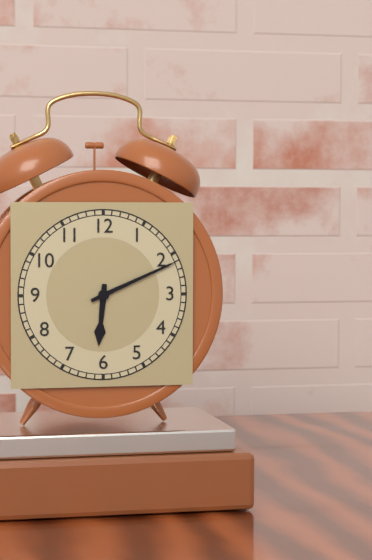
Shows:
{"hour": 6, "minute": 11}
